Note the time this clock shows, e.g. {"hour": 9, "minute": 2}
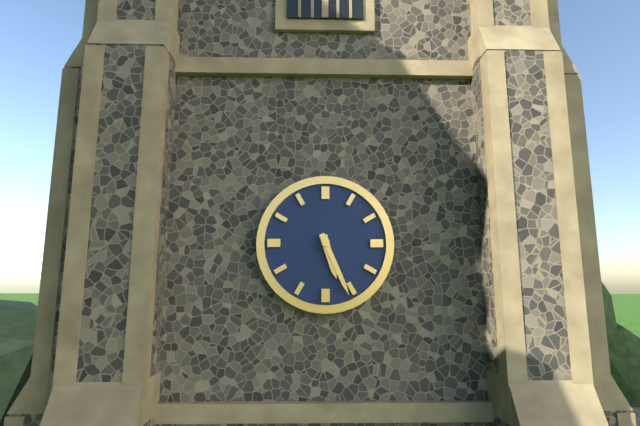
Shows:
{"hour": 5, "minute": 26}
